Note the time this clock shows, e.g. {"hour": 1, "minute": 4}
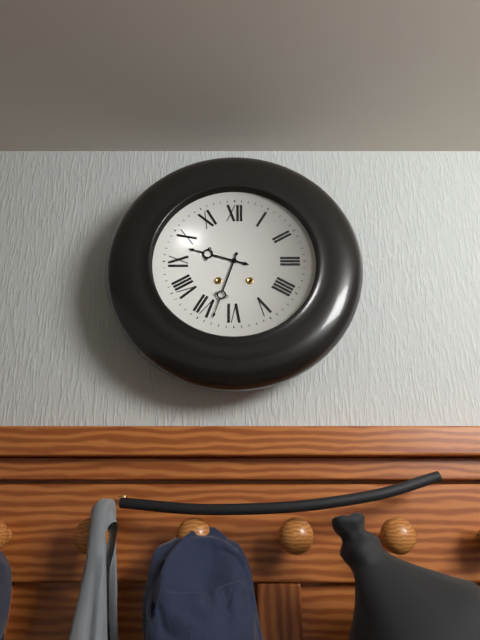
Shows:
{"hour": 9, "minute": 33}
